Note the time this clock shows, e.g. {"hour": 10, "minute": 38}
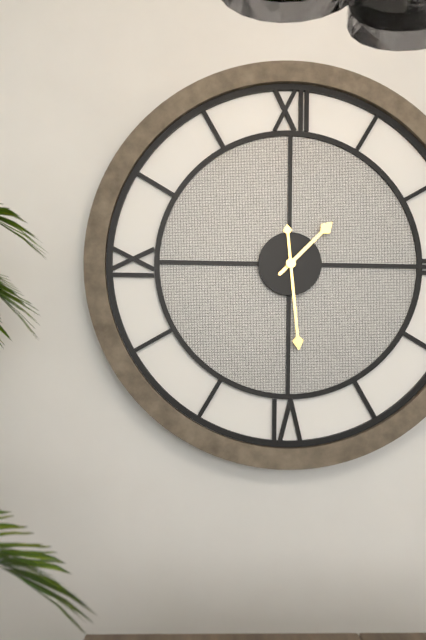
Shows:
{"hour": 1, "minute": 29}
